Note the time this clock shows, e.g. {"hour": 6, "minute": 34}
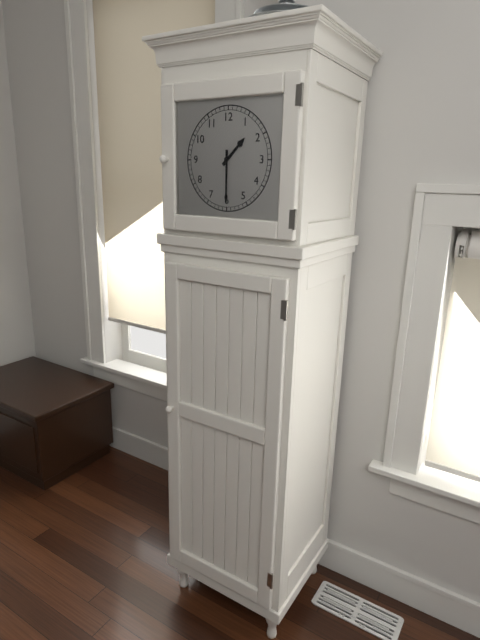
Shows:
{"hour": 1, "minute": 30}
